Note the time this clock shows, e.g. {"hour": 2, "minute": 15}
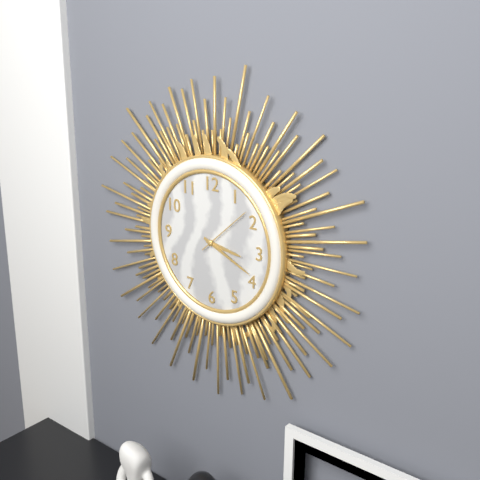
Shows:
{"hour": 3, "minute": 19}
